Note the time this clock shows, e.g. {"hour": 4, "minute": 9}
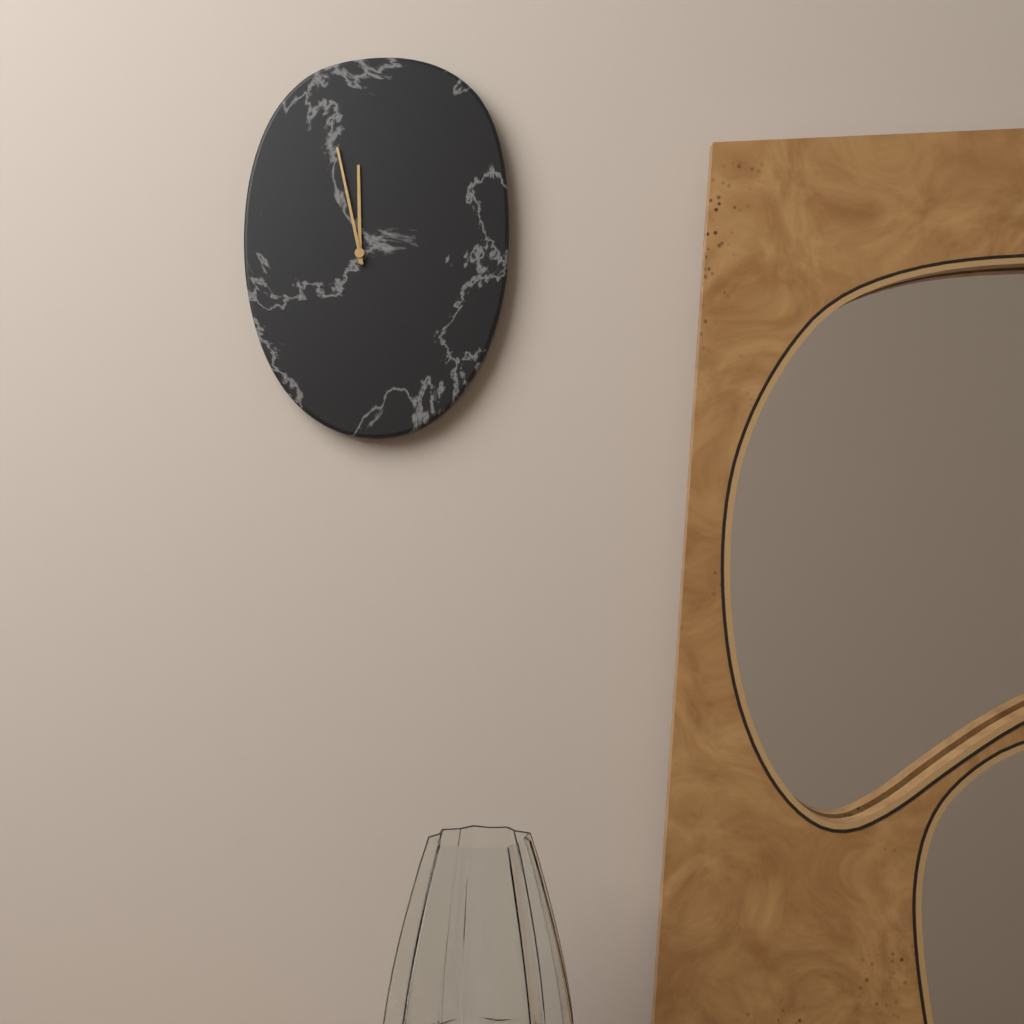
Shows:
{"hour": 11, "minute": 58}
